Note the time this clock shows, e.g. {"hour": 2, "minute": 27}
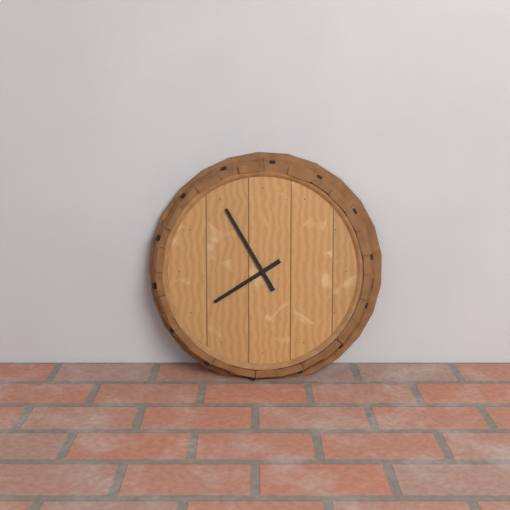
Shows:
{"hour": 7, "minute": 55}
